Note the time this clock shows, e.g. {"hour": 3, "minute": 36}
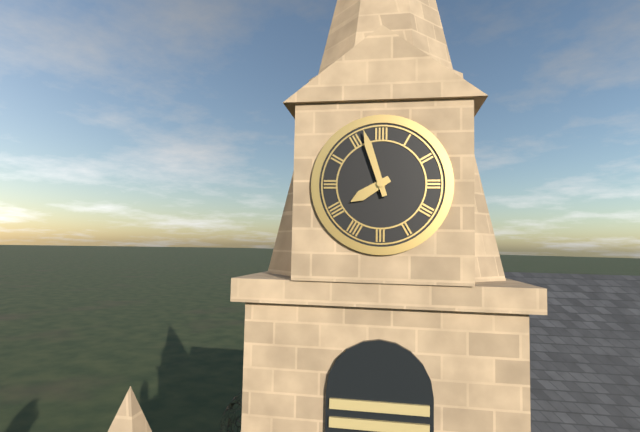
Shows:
{"hour": 7, "minute": 57}
